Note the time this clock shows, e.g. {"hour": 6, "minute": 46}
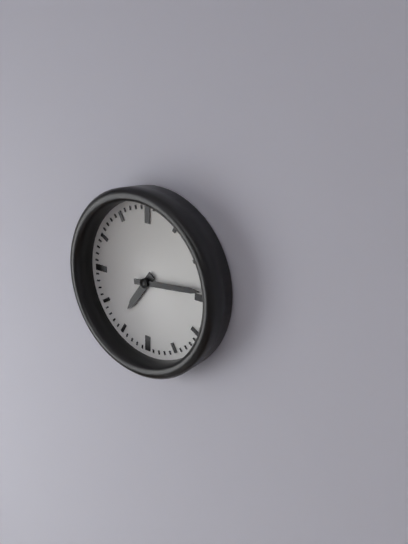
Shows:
{"hour": 7, "minute": 14}
